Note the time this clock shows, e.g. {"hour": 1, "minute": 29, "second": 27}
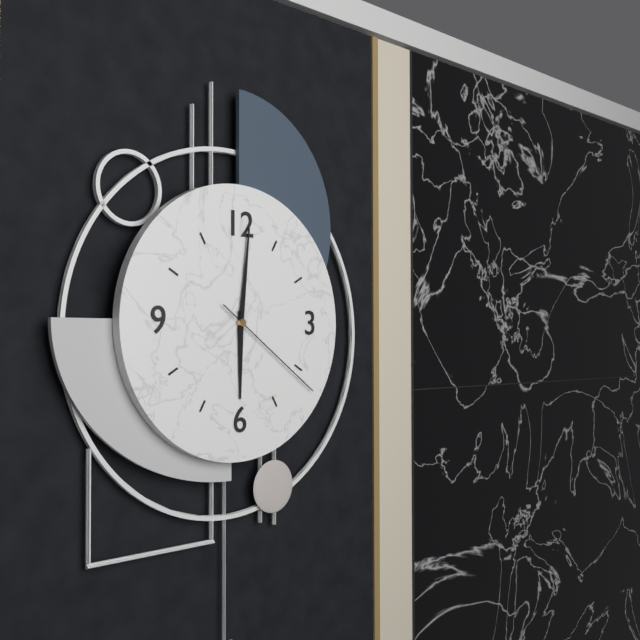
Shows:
{"hour": 6, "minute": 1, "second": 21}
